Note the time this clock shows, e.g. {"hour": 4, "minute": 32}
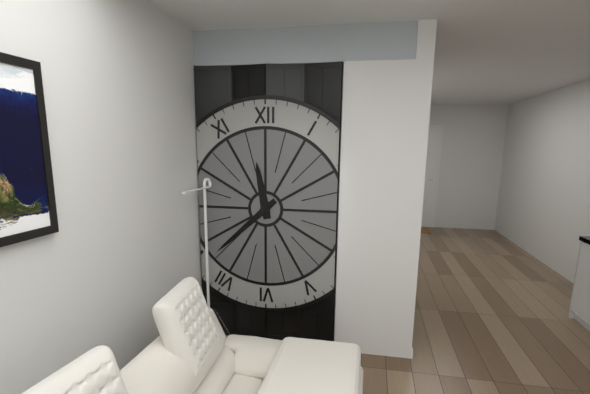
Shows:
{"hour": 11, "minute": 38}
